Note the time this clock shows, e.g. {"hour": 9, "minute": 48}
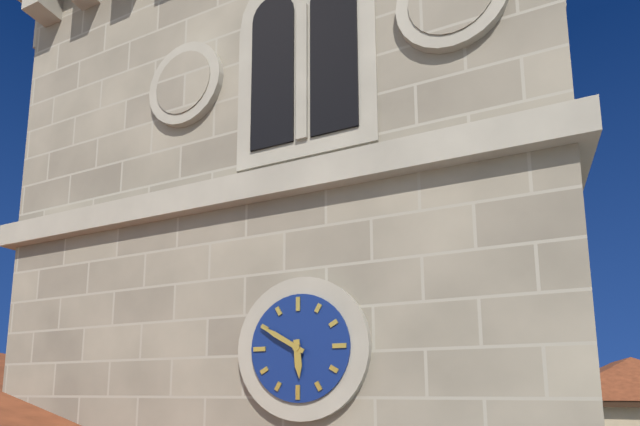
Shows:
{"hour": 5, "minute": 50}
